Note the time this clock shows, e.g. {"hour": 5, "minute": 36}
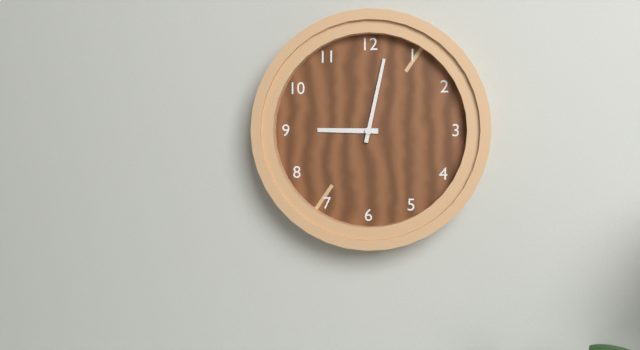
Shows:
{"hour": 9, "minute": 2}
